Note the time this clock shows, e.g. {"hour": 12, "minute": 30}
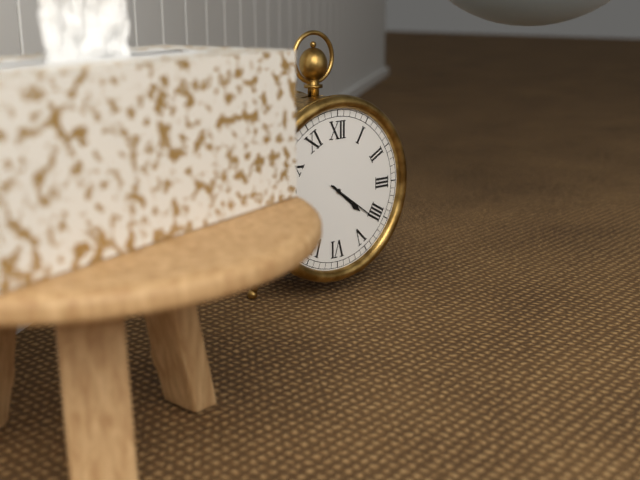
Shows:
{"hour": 4, "minute": 21}
